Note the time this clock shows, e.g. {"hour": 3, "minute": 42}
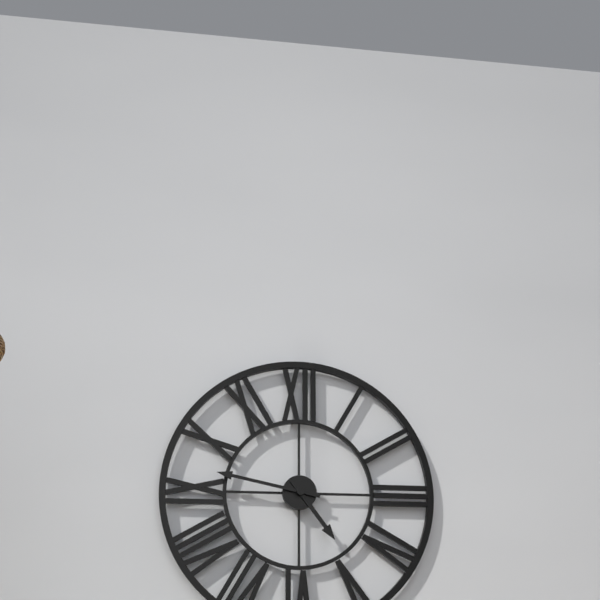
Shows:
{"hour": 4, "minute": 47}
